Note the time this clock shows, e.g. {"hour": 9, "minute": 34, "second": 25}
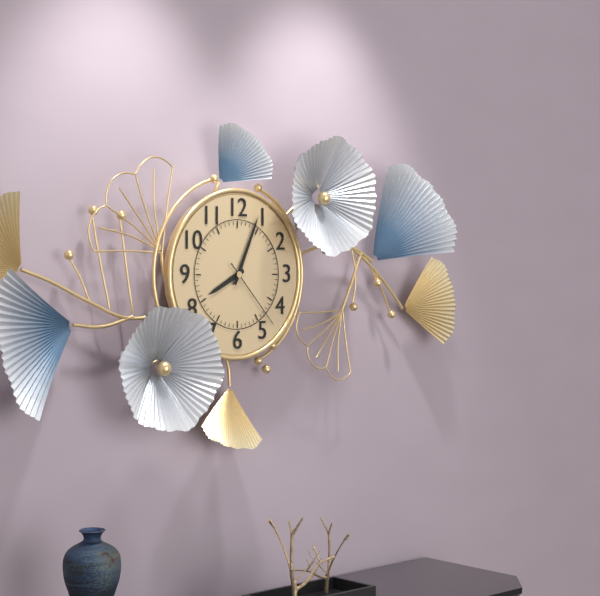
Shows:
{"hour": 8, "minute": 4, "second": 23}
